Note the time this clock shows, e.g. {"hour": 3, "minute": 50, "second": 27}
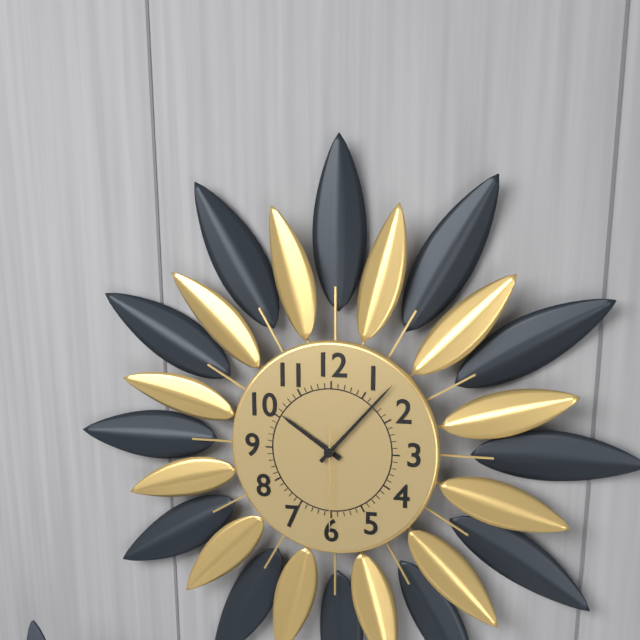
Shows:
{"hour": 10, "minute": 7, "second": 30}
